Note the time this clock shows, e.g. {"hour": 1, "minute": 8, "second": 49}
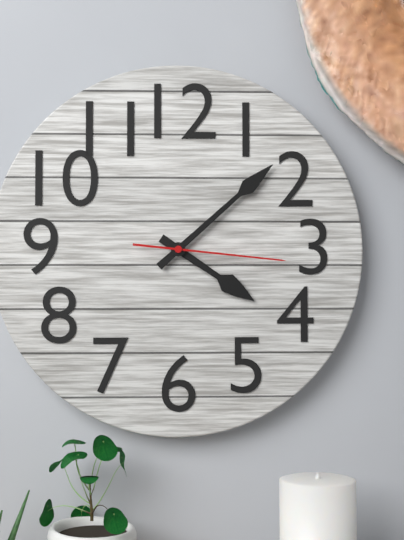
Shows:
{"hour": 4, "minute": 8, "second": 16}
